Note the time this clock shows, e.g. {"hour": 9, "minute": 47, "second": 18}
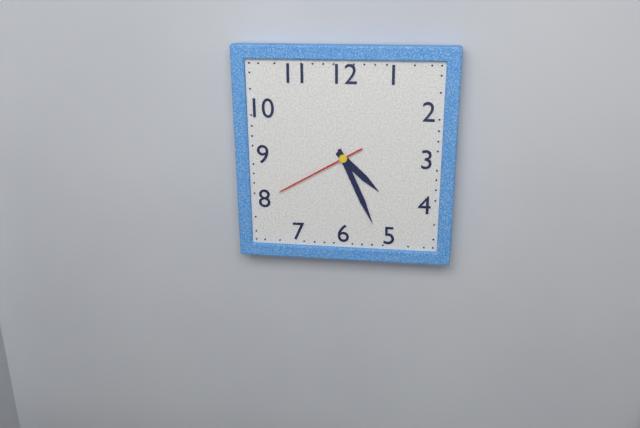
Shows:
{"hour": 4, "minute": 26, "second": 40}
